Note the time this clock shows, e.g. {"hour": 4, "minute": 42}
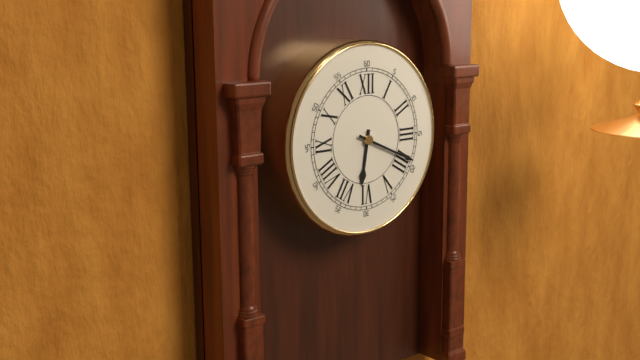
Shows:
{"hour": 6, "minute": 19}
